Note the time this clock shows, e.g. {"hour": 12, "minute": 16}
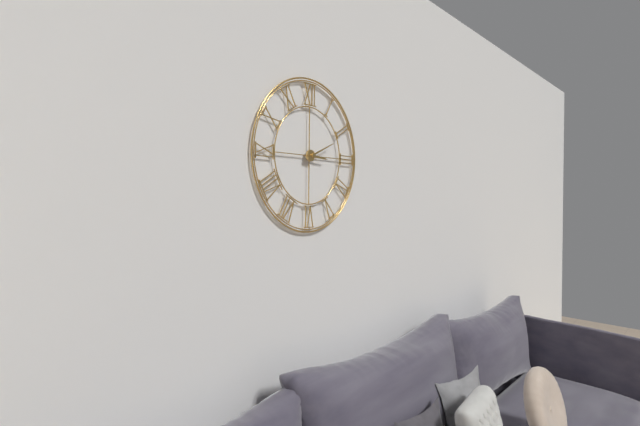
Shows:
{"hour": 3, "minute": 11}
